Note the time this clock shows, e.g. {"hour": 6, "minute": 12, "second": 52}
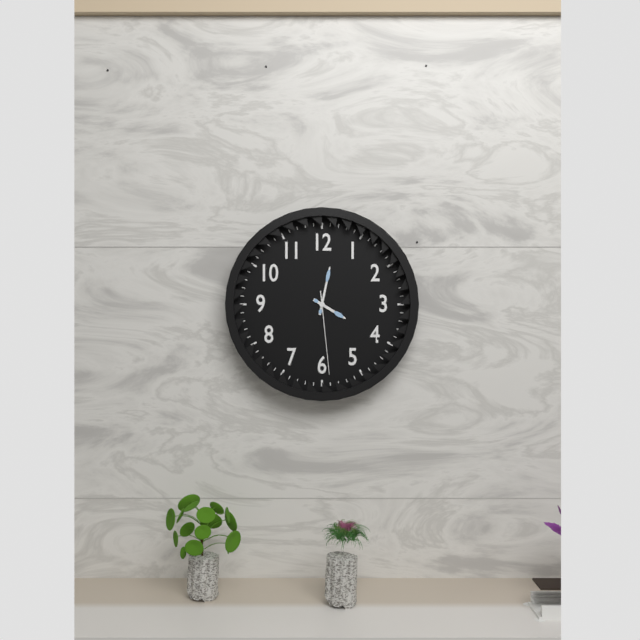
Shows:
{"hour": 4, "minute": 2, "second": 29}
